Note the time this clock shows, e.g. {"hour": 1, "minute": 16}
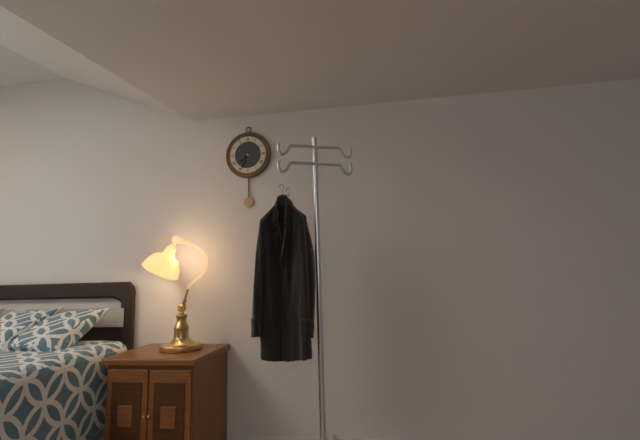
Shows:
{"hour": 7, "minute": 34}
